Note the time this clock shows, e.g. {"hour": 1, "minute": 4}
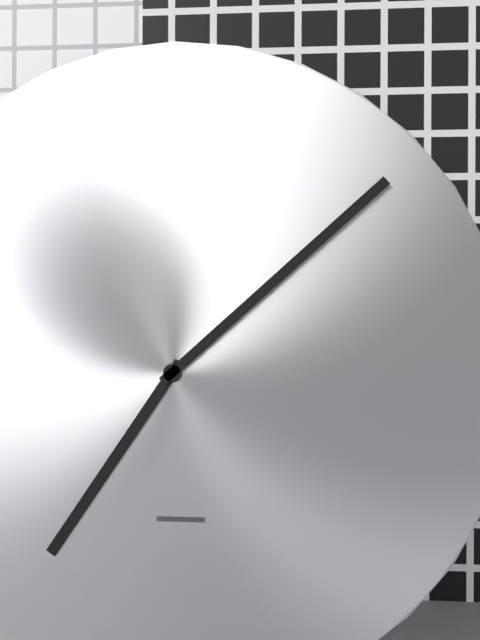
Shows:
{"hour": 7, "minute": 8}
